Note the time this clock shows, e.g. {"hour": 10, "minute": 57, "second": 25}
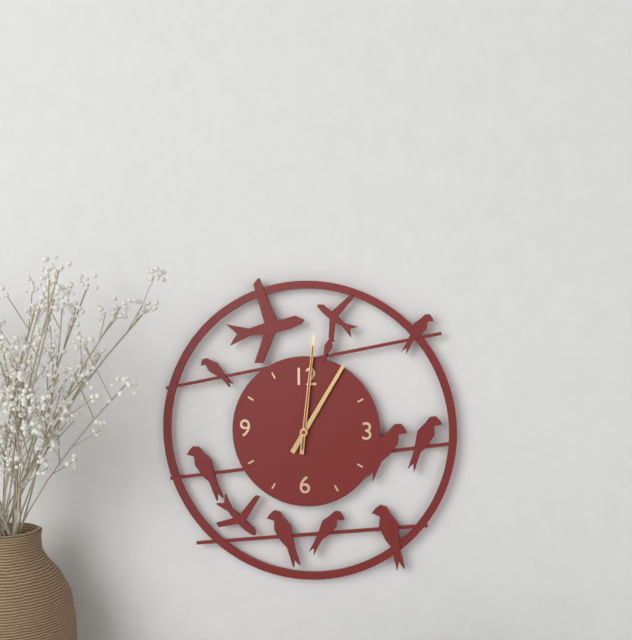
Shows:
{"hour": 1, "minute": 1, "second": 1}
